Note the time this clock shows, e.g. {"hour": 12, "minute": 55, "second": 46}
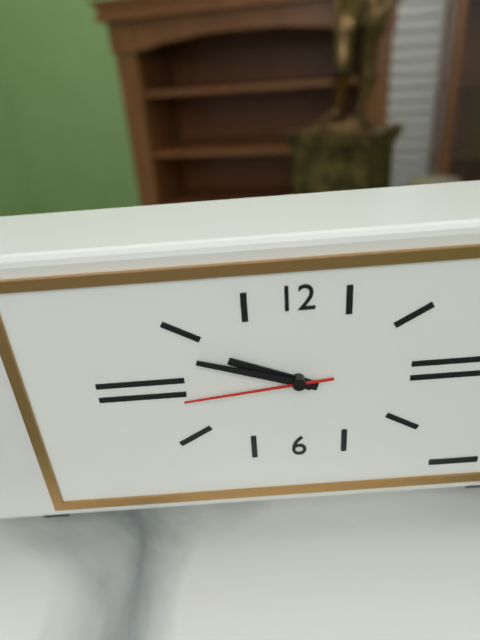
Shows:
{"hour": 9, "minute": 48, "second": 44}
